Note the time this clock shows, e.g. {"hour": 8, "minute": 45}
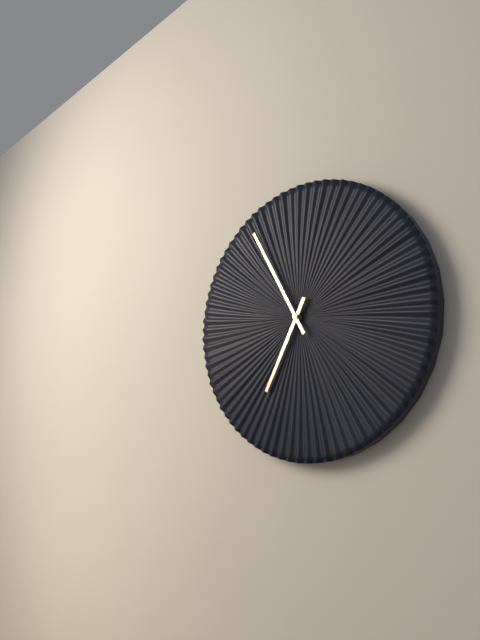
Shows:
{"hour": 6, "minute": 55}
